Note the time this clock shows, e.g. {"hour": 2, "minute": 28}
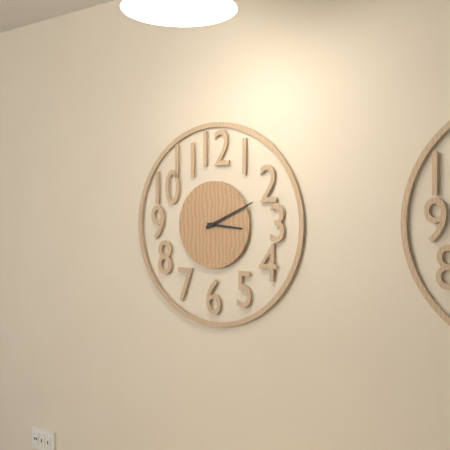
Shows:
{"hour": 3, "minute": 11}
